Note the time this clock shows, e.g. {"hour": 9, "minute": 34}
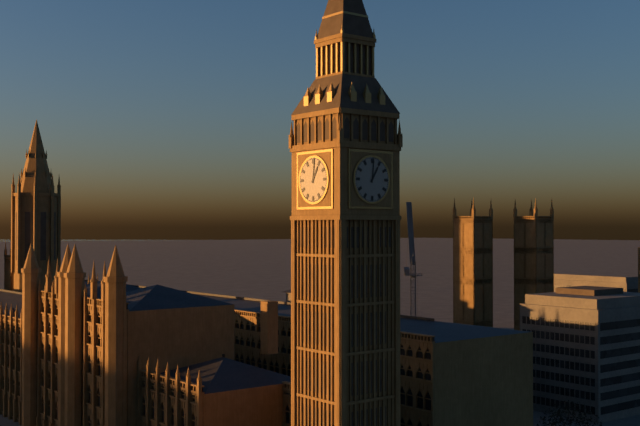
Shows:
{"hour": 1, "minute": 1}
